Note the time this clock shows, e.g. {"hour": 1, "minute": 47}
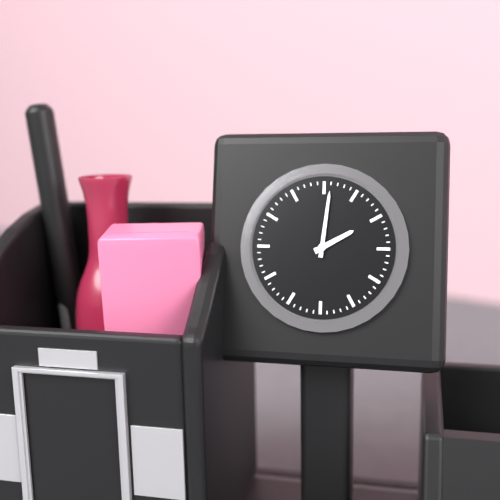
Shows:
{"hour": 2, "minute": 1}
